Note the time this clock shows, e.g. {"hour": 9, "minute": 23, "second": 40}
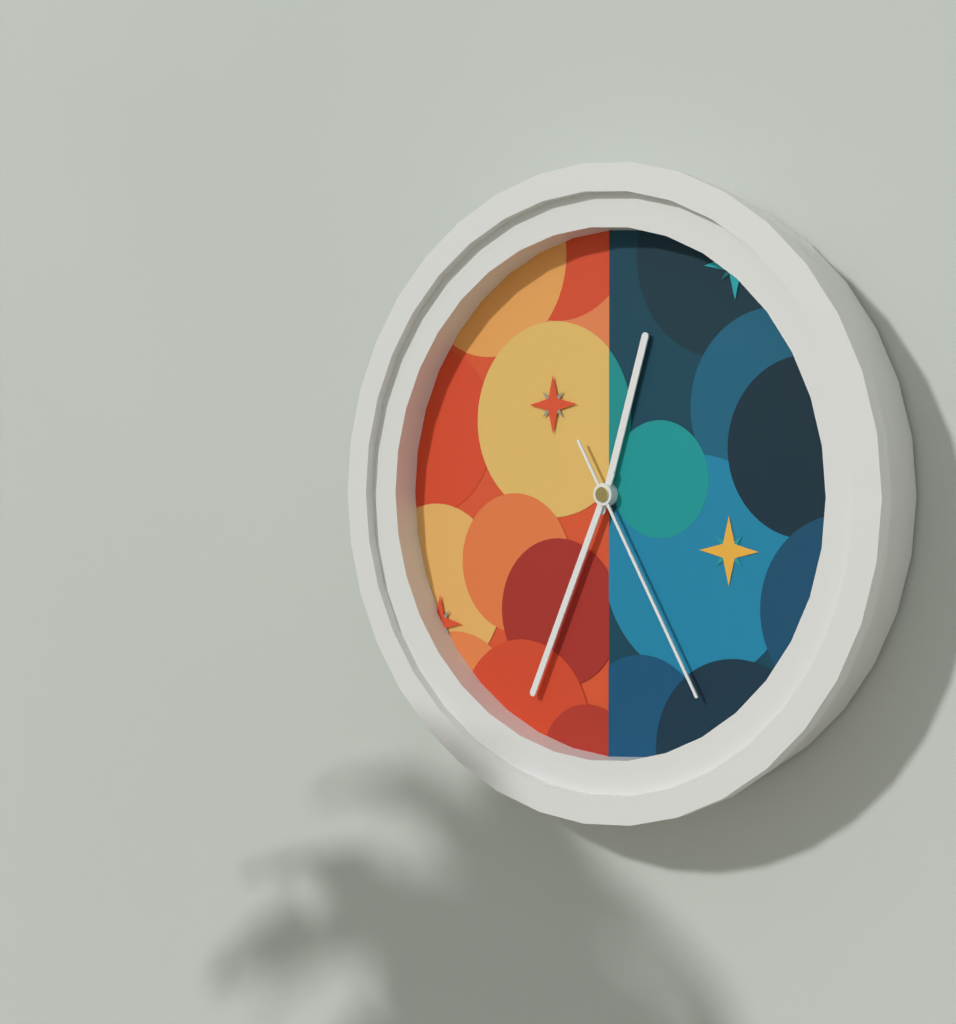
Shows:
{"hour": 12, "minute": 34, "second": 25}
